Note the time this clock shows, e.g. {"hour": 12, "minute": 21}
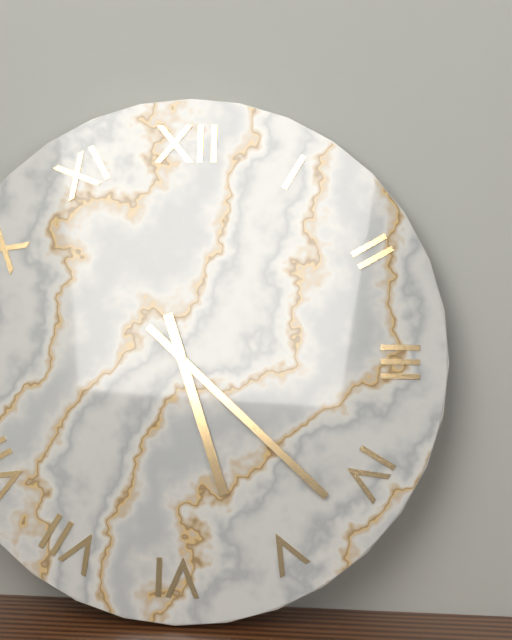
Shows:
{"hour": 5, "minute": 22}
